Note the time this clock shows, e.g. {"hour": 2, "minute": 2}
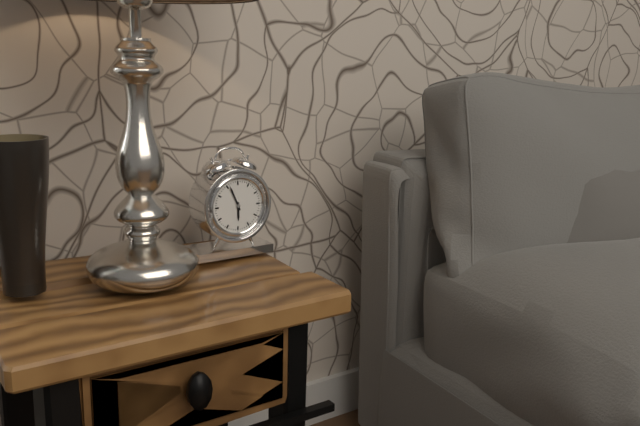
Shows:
{"hour": 5, "minute": 56}
